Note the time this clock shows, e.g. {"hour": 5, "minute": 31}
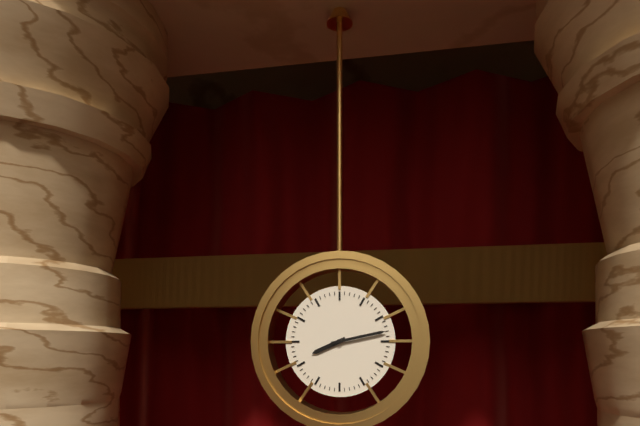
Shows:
{"hour": 8, "minute": 13}
